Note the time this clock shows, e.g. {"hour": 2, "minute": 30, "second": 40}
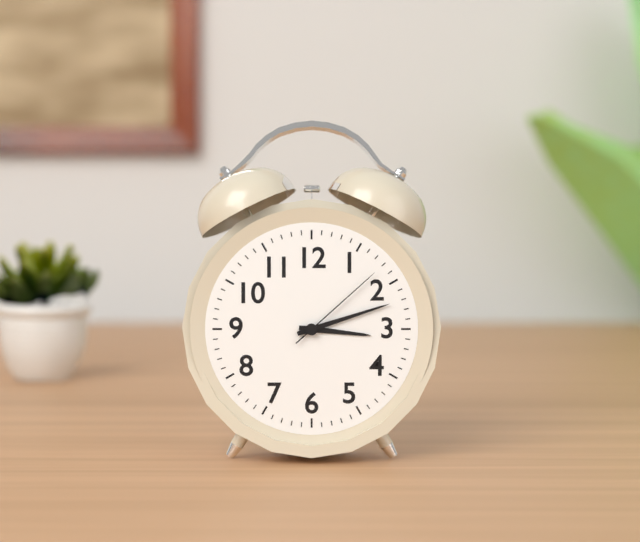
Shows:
{"hour": 3, "minute": 12, "second": 8}
